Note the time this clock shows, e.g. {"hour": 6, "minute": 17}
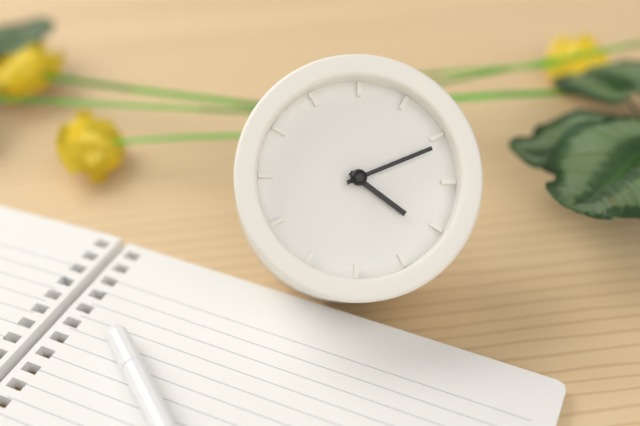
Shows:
{"hour": 4, "minute": 11}
